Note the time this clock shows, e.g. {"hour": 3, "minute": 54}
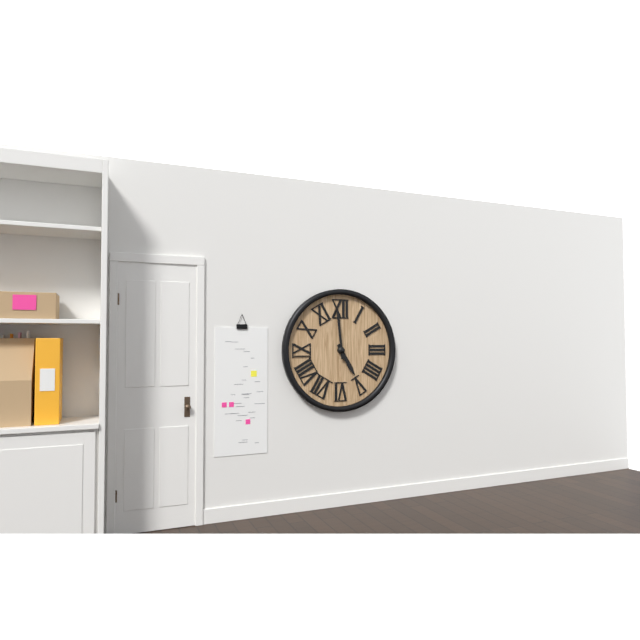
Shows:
{"hour": 4, "minute": 59}
